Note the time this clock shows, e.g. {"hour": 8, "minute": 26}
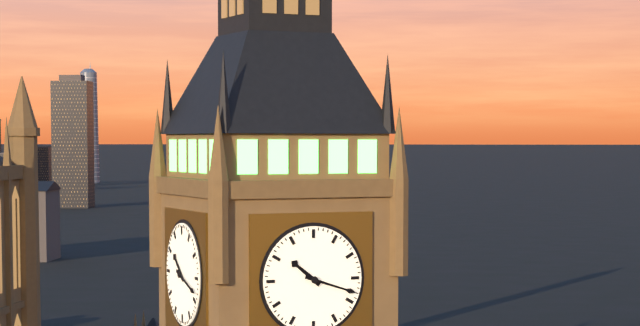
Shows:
{"hour": 10, "minute": 18}
